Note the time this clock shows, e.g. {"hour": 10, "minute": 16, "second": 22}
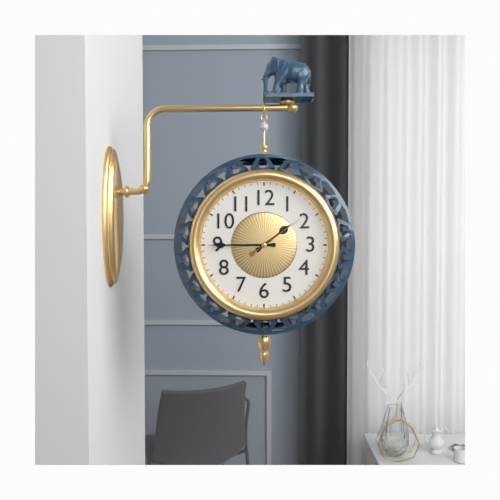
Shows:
{"hour": 1, "minute": 45, "second": 9}
